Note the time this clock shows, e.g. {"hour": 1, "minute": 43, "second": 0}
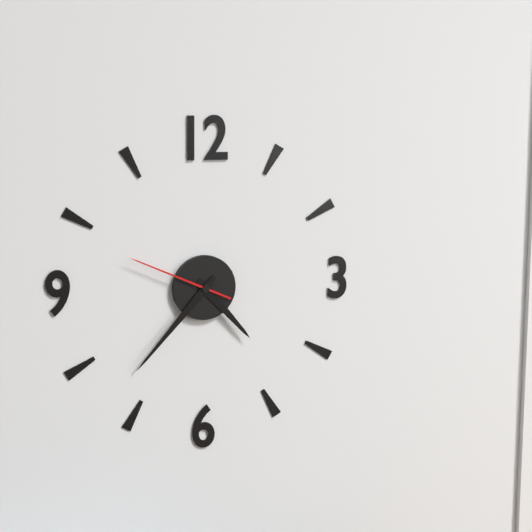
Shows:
{"hour": 4, "minute": 37, "second": 49}
